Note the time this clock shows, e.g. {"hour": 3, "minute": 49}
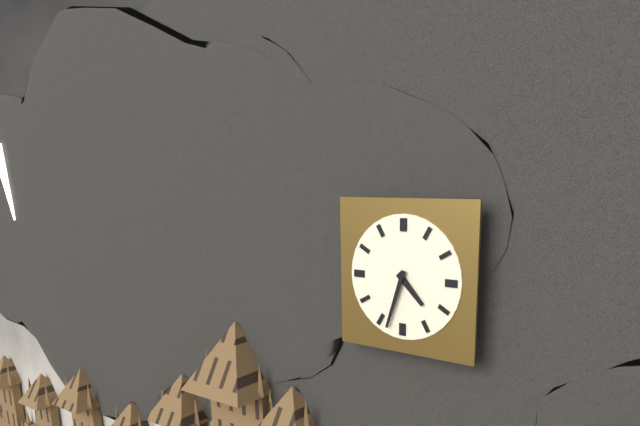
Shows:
{"hour": 4, "minute": 33}
